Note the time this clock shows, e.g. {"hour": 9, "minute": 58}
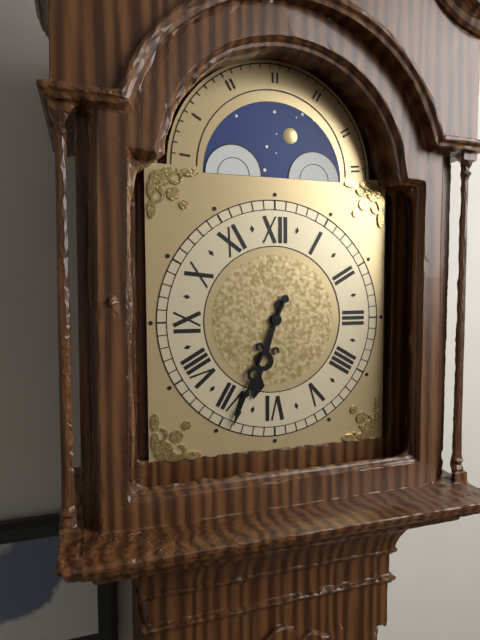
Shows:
{"hour": 6, "minute": 34}
